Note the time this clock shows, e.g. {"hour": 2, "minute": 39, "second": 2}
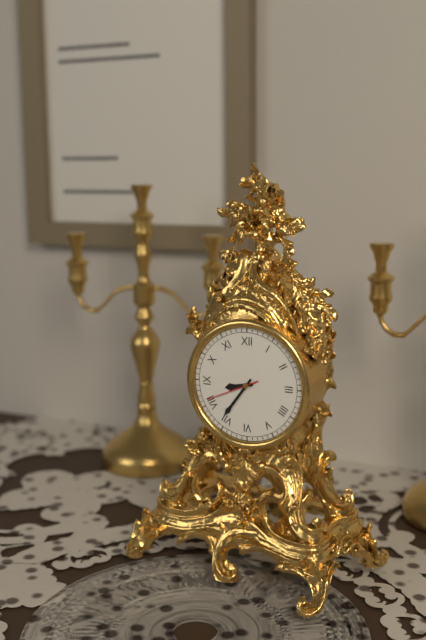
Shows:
{"hour": 8, "minute": 36, "second": 41}
